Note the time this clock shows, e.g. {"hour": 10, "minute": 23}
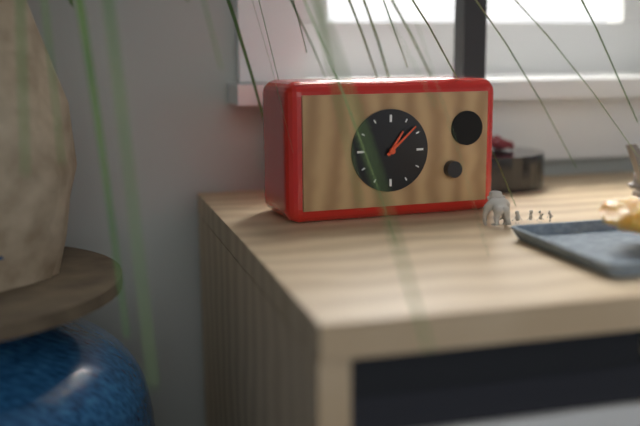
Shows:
{"hour": 1, "minute": 8}
